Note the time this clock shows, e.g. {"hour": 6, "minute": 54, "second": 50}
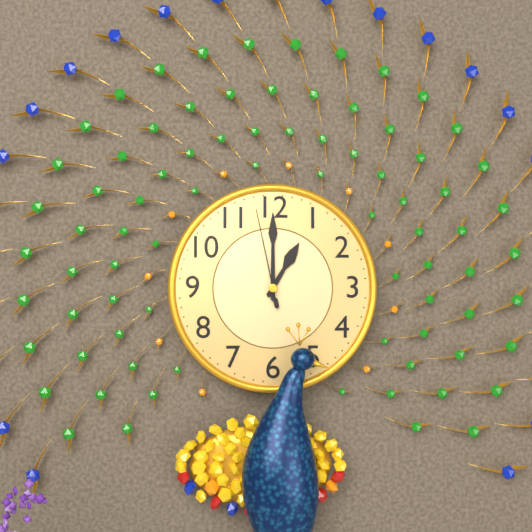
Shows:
{"hour": 1, "minute": 0, "second": 58}
